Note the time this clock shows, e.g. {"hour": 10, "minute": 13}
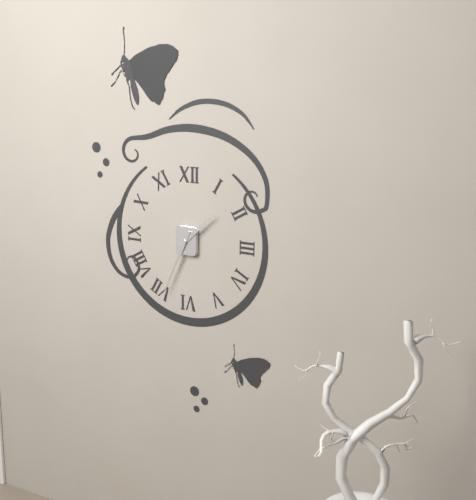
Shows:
{"hour": 1, "minute": 34}
